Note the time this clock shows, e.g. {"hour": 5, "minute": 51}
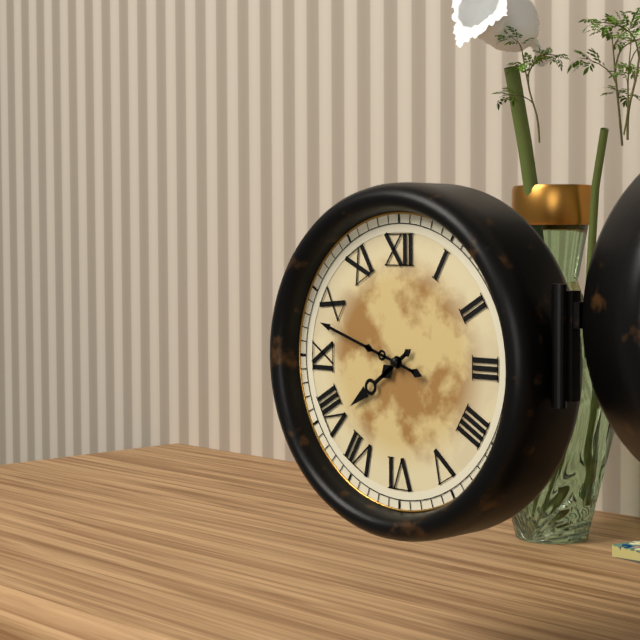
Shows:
{"hour": 7, "minute": 48}
